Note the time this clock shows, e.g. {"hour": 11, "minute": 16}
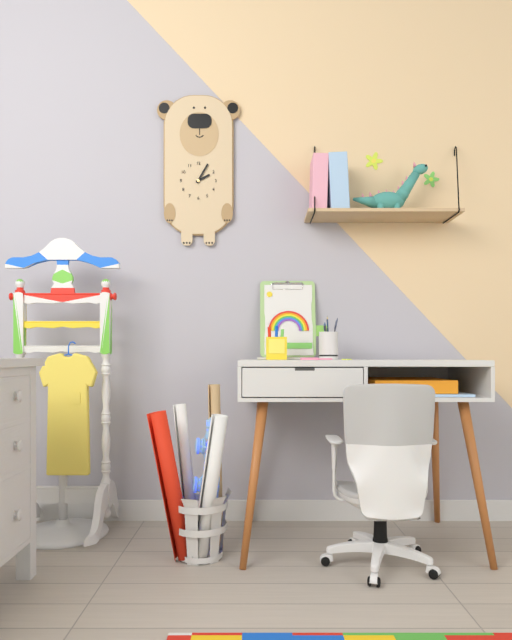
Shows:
{"hour": 2, "minute": 5}
